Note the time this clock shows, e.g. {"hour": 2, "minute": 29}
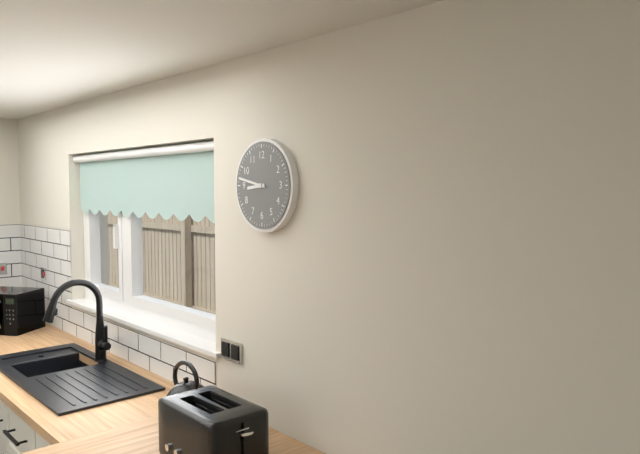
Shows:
{"hour": 8, "minute": 47}
